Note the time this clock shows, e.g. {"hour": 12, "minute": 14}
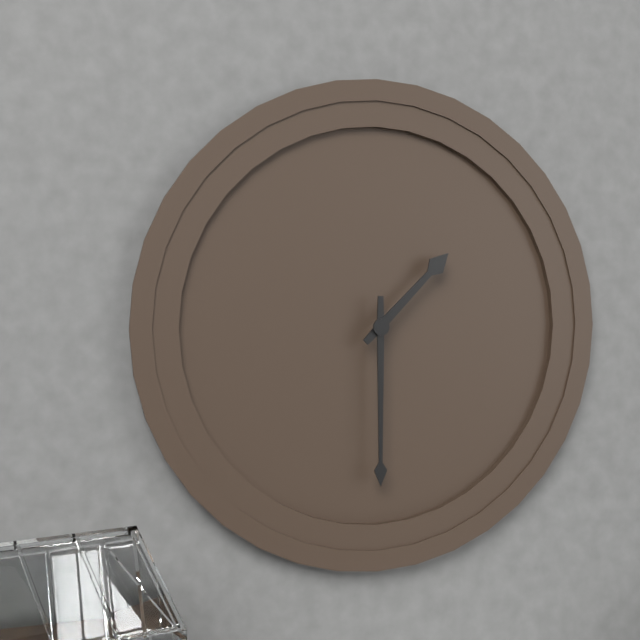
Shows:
{"hour": 1, "minute": 30}
